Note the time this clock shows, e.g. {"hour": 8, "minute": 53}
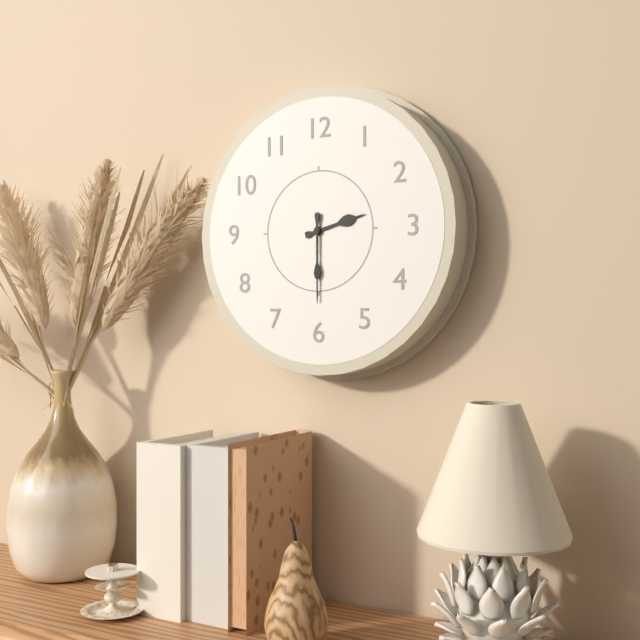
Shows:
{"hour": 2, "minute": 30}
